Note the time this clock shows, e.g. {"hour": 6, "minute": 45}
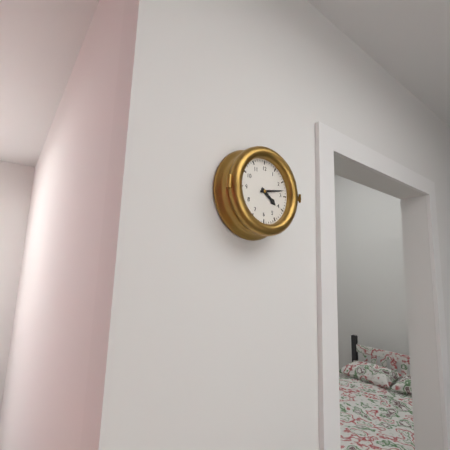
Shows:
{"hour": 4, "minute": 13}
